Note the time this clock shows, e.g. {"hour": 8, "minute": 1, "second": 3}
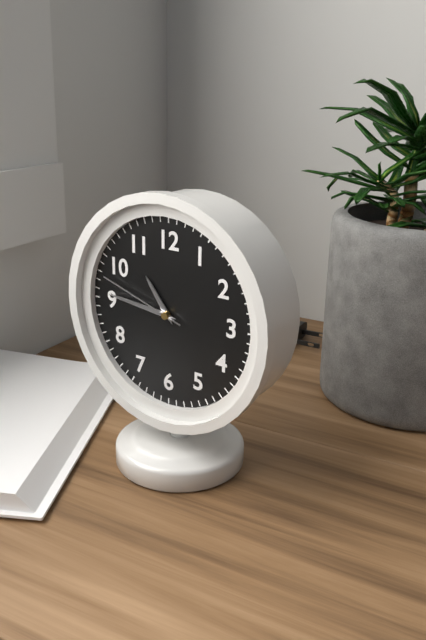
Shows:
{"hour": 10, "minute": 46, "second": 48}
